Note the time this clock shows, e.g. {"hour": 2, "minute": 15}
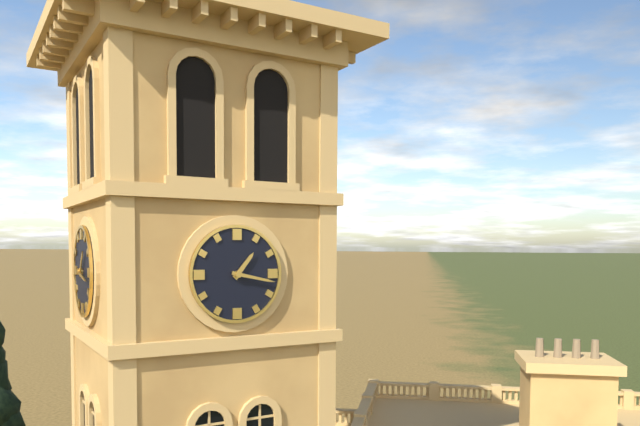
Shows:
{"hour": 1, "minute": 17}
